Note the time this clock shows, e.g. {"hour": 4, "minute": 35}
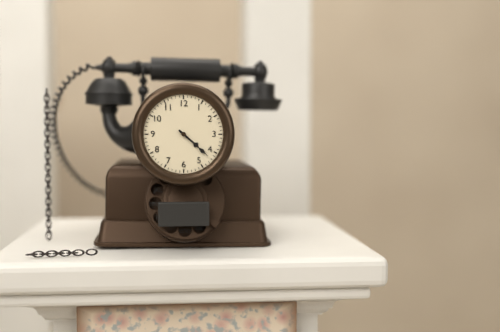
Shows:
{"hour": 4, "minute": 22}
